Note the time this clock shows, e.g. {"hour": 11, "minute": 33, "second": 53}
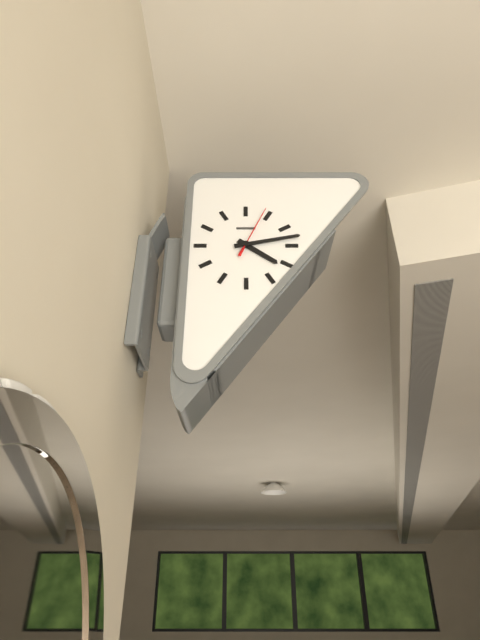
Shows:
{"hour": 4, "minute": 13, "second": 4}
